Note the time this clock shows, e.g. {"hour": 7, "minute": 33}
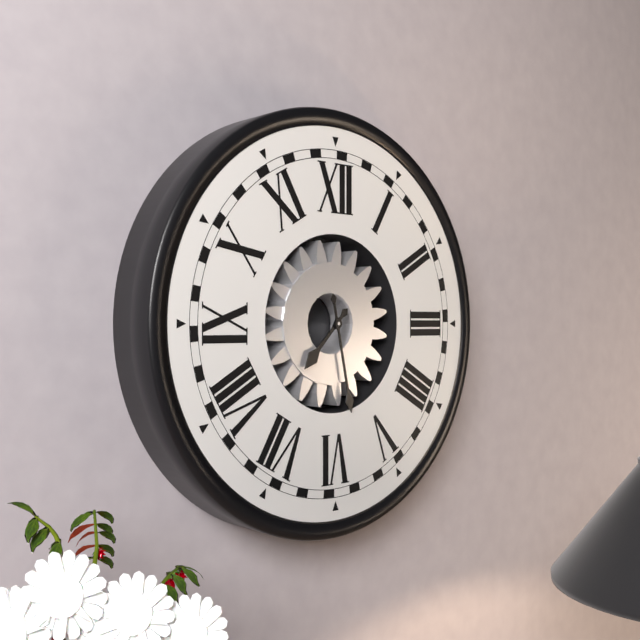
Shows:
{"hour": 7, "minute": 28}
